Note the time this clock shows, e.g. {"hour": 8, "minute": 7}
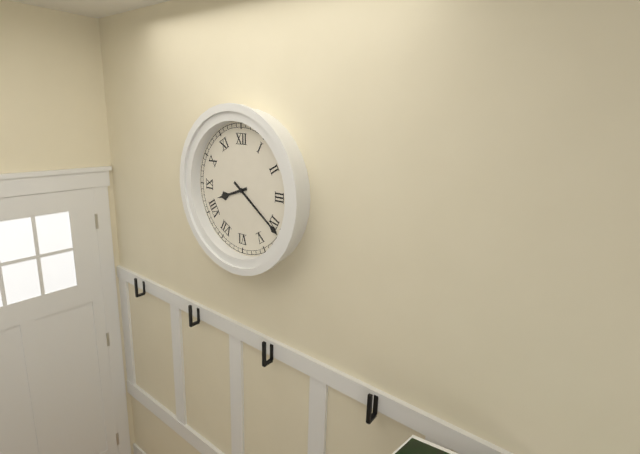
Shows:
{"hour": 8, "minute": 21}
